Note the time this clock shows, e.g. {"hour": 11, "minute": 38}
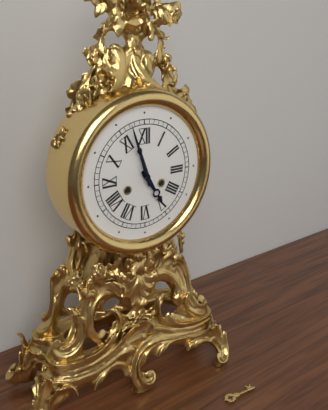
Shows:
{"hour": 4, "minute": 57}
